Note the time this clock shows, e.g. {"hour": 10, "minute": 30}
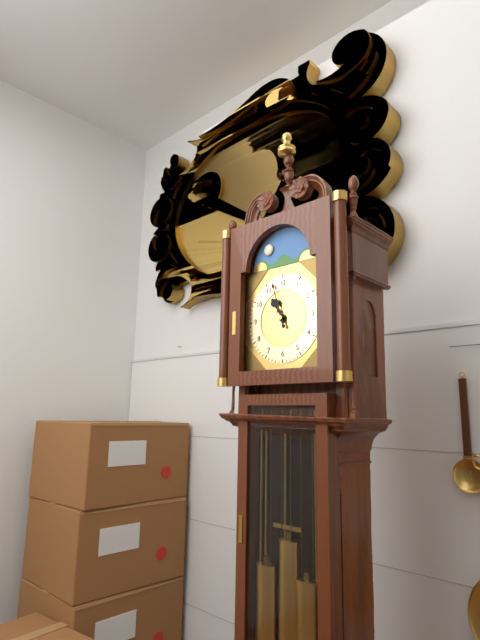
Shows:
{"hour": 10, "minute": 57}
